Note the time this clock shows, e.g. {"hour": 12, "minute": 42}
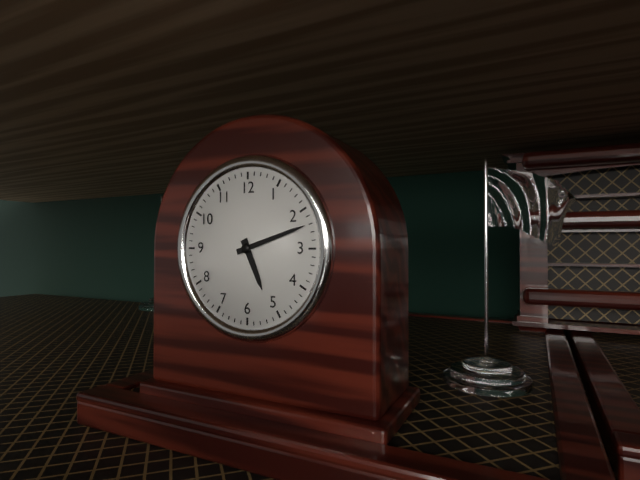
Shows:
{"hour": 5, "minute": 12}
